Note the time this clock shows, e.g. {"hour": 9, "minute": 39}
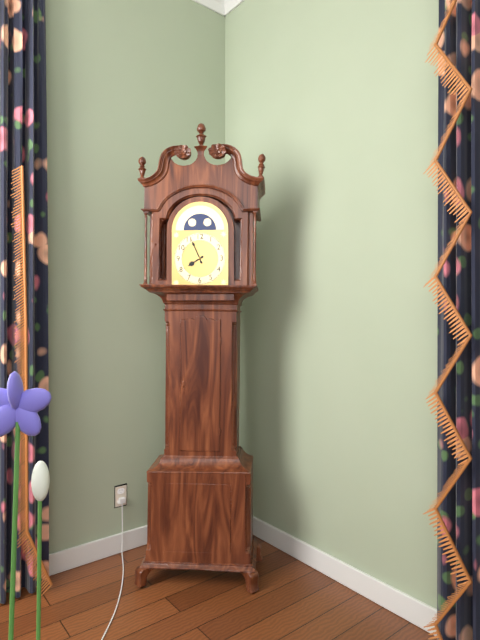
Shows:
{"hour": 7, "minute": 56}
